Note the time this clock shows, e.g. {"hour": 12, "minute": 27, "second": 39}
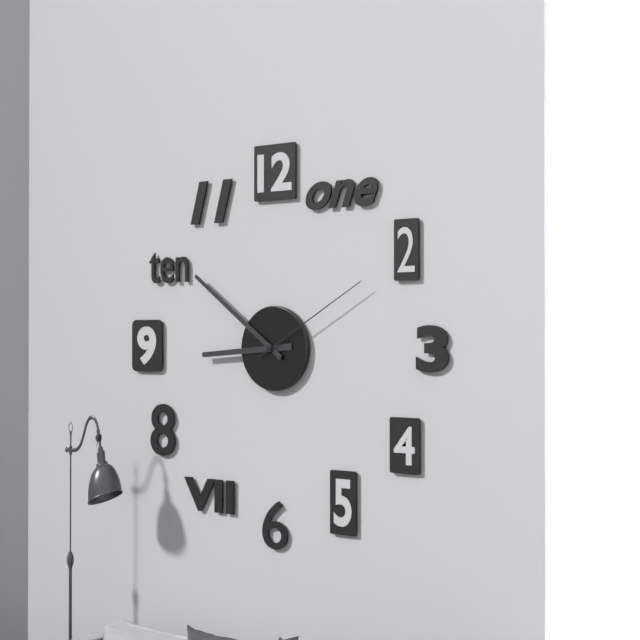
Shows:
{"hour": 8, "minute": 51, "second": 10}
